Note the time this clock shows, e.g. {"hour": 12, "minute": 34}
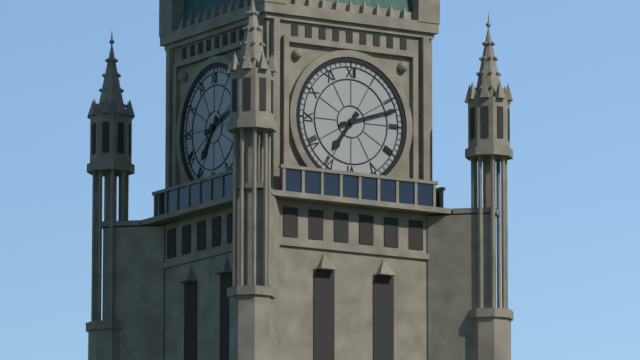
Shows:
{"hour": 7, "minute": 12}
